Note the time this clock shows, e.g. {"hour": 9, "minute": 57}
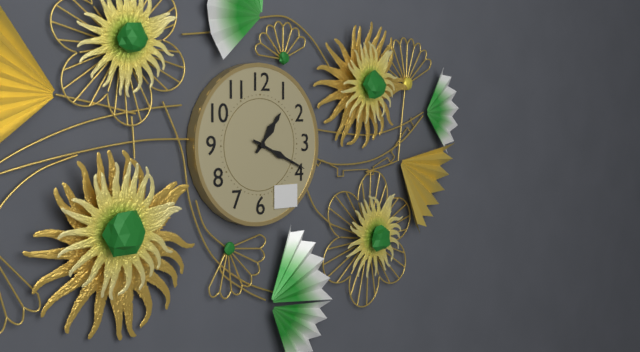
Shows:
{"hour": 1, "minute": 19}
